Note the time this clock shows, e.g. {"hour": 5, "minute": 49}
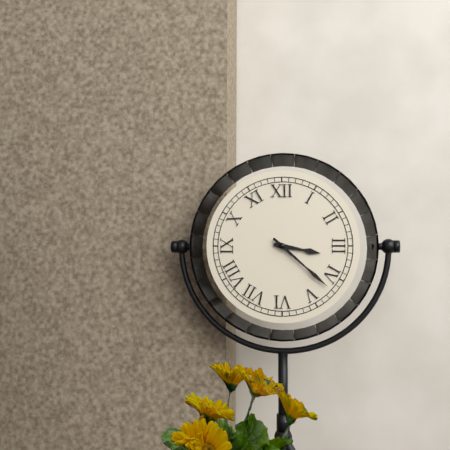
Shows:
{"hour": 3, "minute": 22}
